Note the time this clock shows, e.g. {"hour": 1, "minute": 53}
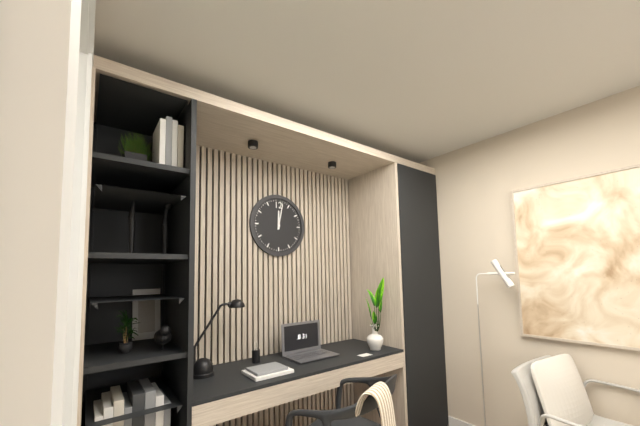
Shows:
{"hour": 12, "minute": 2}
